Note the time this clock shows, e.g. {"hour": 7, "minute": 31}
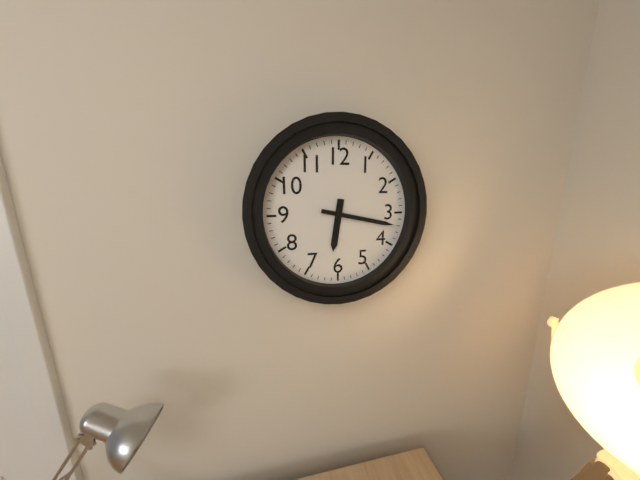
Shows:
{"hour": 6, "minute": 17}
